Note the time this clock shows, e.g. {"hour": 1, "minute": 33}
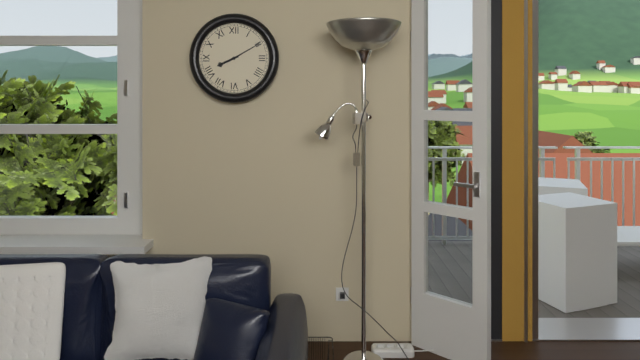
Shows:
{"hour": 8, "minute": 10}
